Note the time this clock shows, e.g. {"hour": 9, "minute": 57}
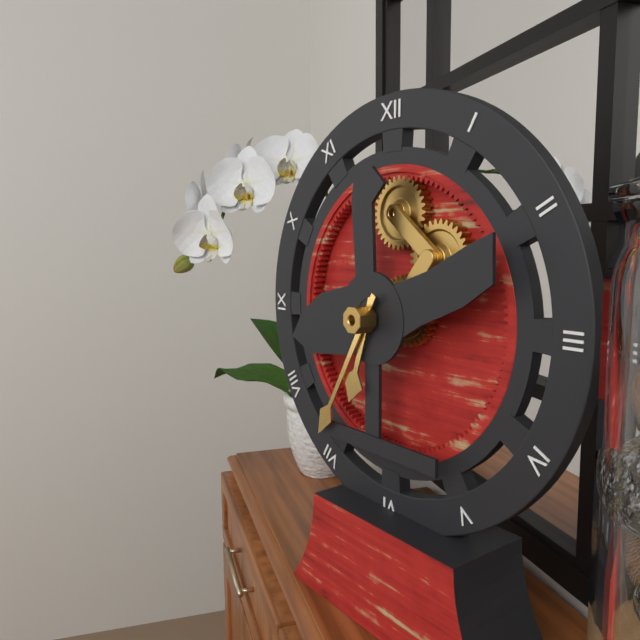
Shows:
{"hour": 6, "minute": 35}
